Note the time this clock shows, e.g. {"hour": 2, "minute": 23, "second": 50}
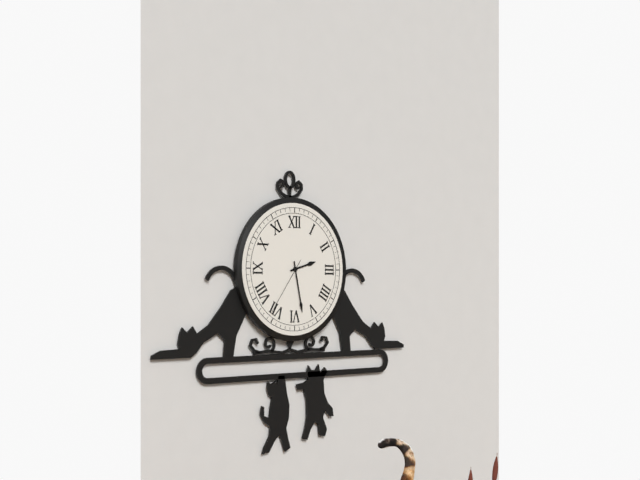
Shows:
{"hour": 2, "minute": 28, "second": 36}
